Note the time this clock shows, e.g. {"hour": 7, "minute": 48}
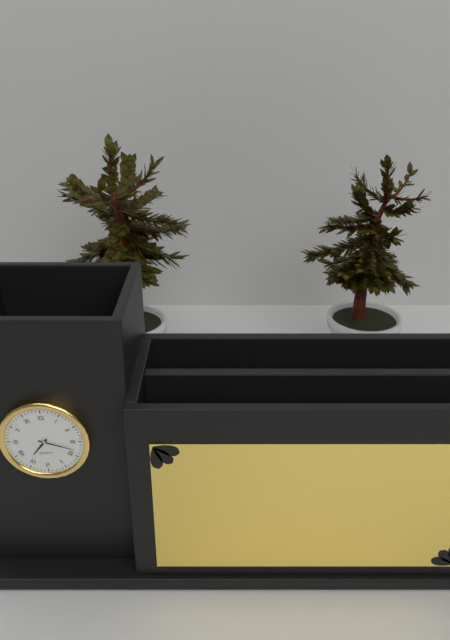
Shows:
{"hour": 7, "minute": 18}
